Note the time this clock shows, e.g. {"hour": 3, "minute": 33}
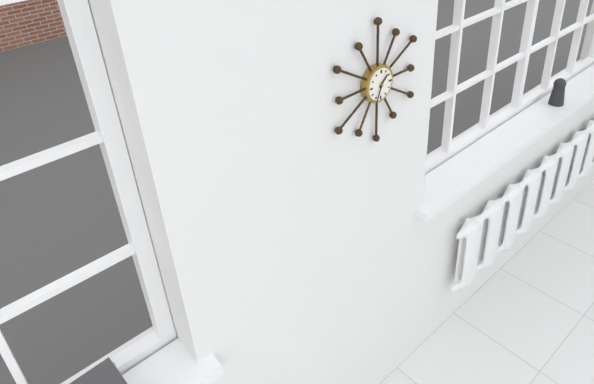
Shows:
{"hour": 1, "minute": 34}
